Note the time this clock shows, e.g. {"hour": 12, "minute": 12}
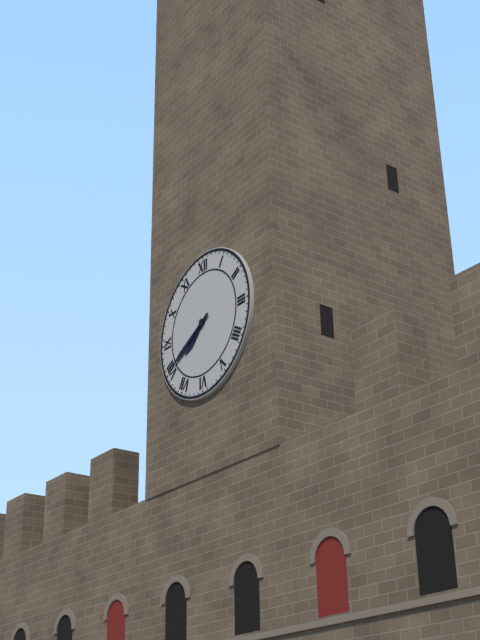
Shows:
{"hour": 7, "minute": 40}
